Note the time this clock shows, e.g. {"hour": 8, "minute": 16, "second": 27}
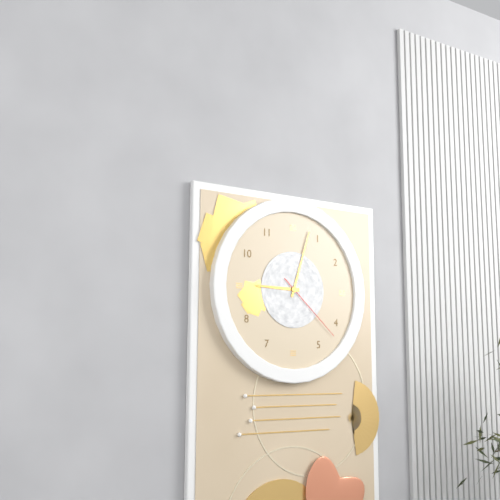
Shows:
{"hour": 9, "minute": 3, "second": 22}
